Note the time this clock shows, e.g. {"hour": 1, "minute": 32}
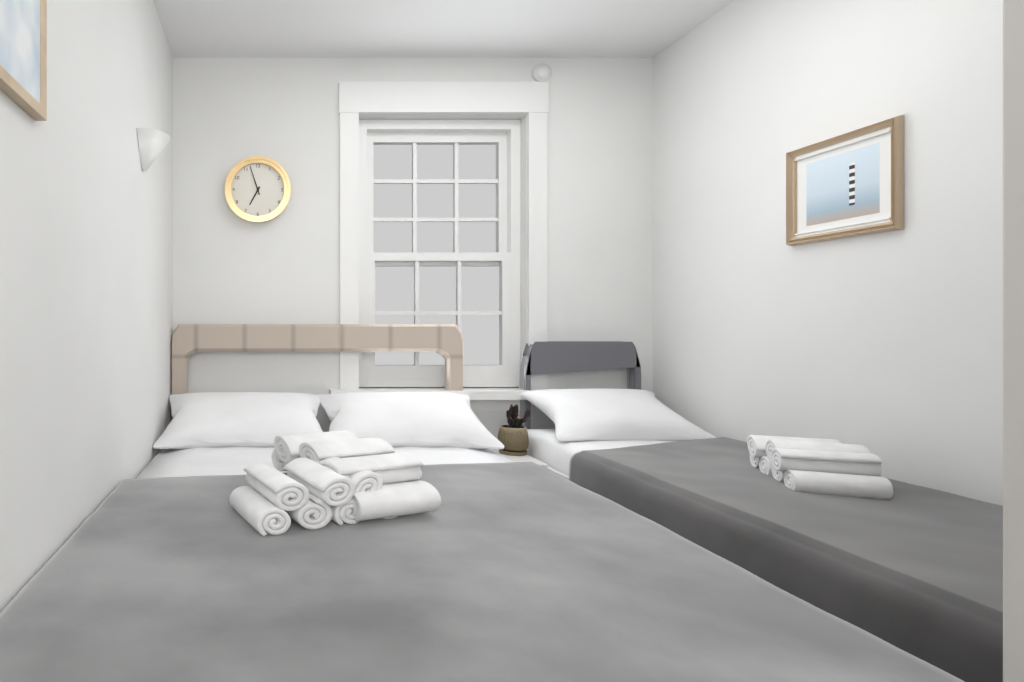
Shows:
{"hour": 6, "minute": 57}
